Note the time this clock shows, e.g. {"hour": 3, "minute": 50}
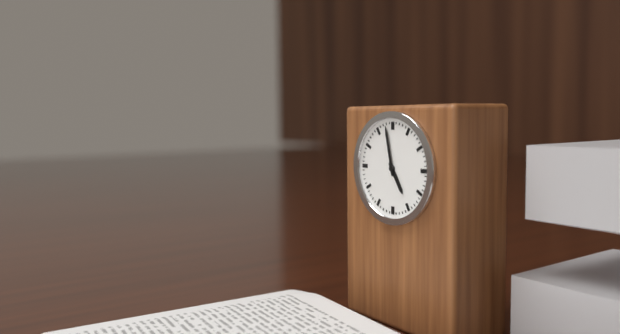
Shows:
{"hour": 4, "minute": 58}
